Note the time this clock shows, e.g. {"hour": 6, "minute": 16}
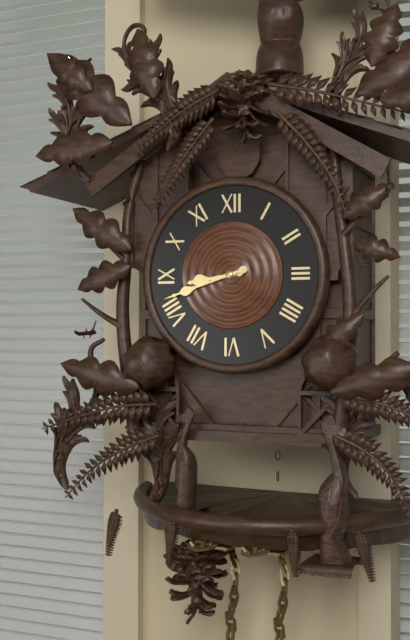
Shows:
{"hour": 8, "minute": 42}
